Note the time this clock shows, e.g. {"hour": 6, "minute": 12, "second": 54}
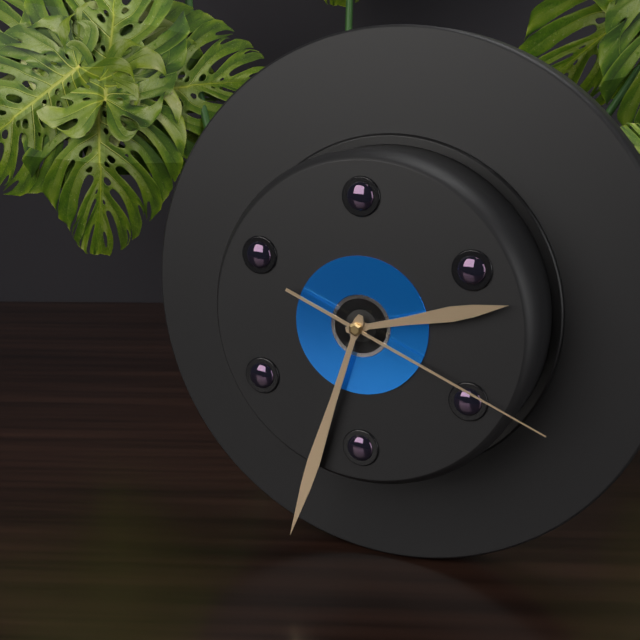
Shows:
{"hour": 2, "minute": 33, "second": 19}
